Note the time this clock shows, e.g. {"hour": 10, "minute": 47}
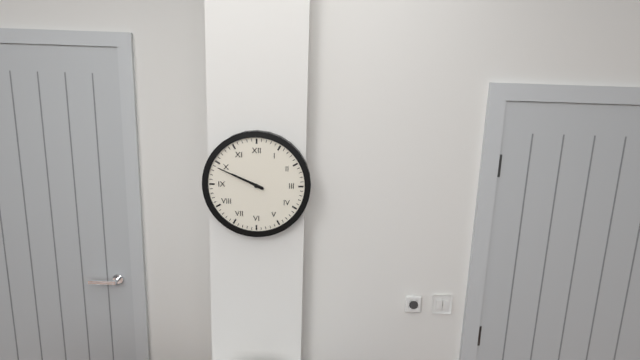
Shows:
{"hour": 9, "minute": 49}
